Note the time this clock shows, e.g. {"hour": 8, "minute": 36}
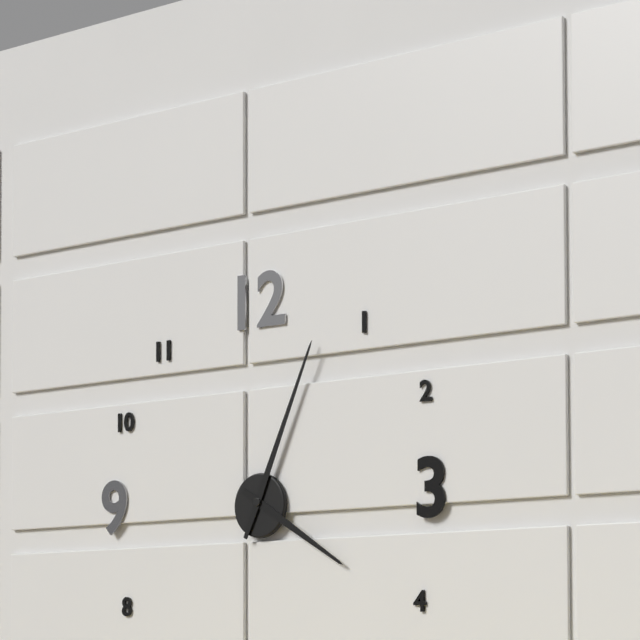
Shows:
{"hour": 4, "minute": 4}
